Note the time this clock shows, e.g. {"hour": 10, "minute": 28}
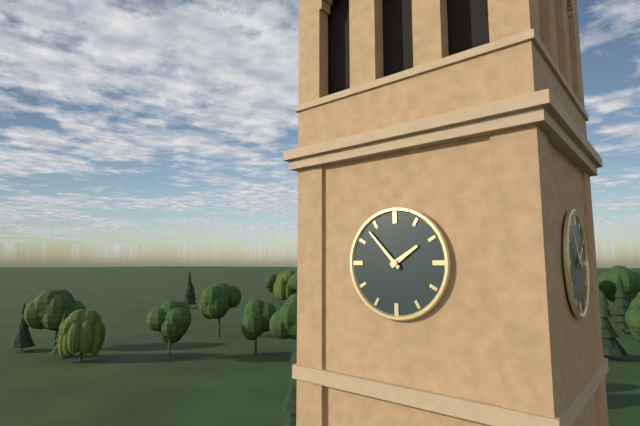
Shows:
{"hour": 1, "minute": 53}
